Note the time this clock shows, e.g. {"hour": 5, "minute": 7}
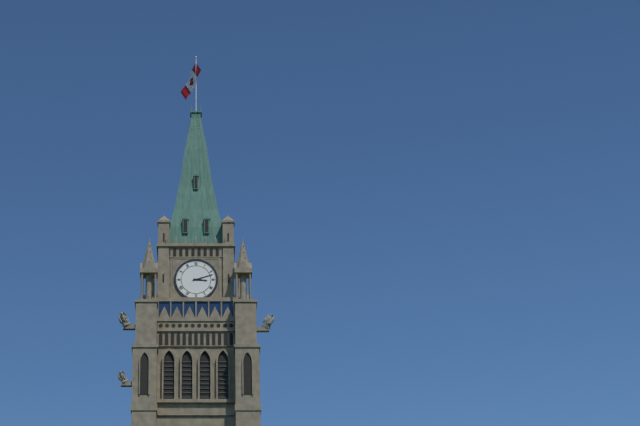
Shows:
{"hour": 3, "minute": 12}
